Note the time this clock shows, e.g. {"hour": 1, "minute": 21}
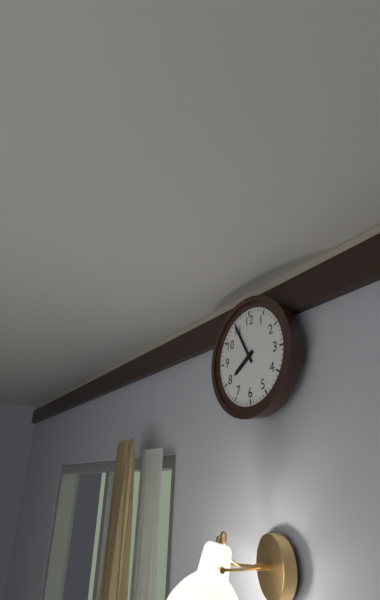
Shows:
{"hour": 7, "minute": 55}
